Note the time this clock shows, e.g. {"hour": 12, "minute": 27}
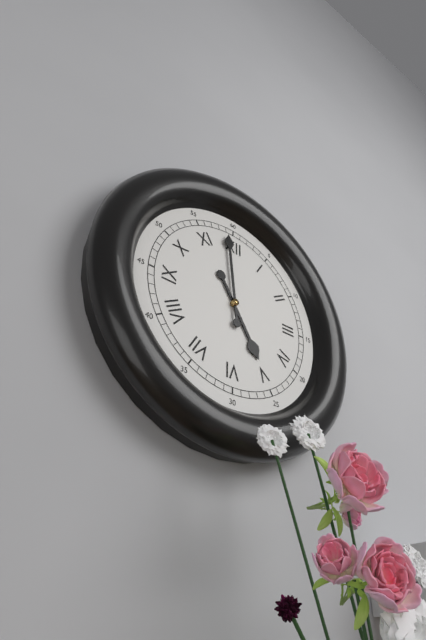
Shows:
{"hour": 4, "minute": 59}
